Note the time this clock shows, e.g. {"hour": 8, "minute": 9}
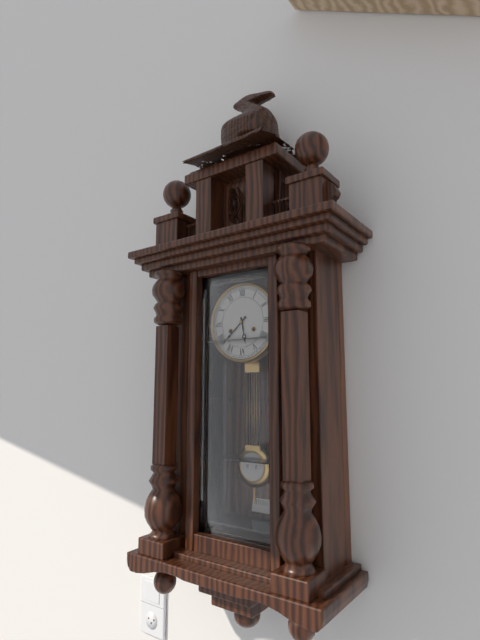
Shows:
{"hour": 5, "minute": 38}
